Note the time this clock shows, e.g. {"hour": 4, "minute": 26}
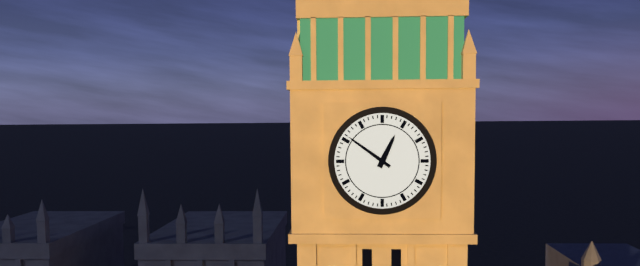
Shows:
{"hour": 12, "minute": 51}
